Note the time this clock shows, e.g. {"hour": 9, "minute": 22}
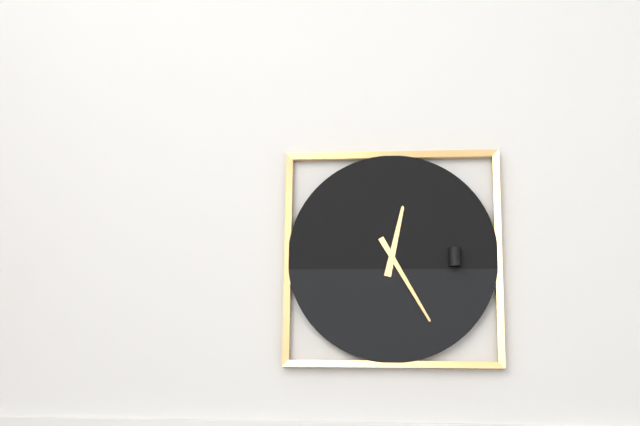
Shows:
{"hour": 12, "minute": 25}
